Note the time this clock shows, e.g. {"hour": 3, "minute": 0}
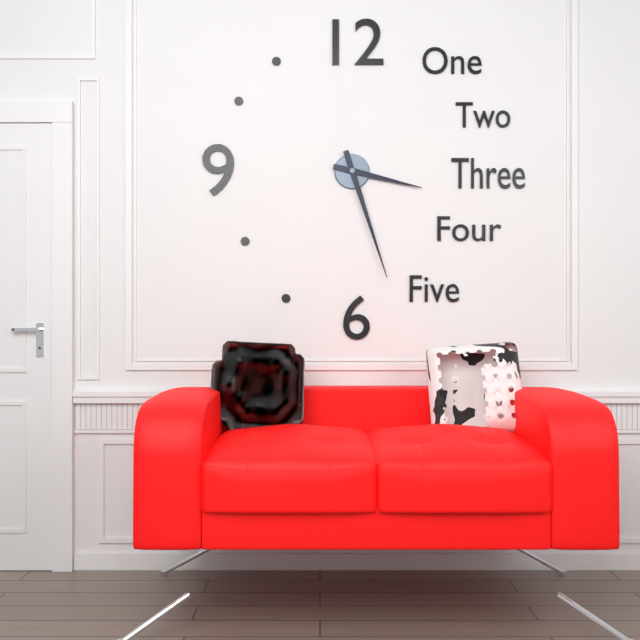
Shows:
{"hour": 3, "minute": 27}
